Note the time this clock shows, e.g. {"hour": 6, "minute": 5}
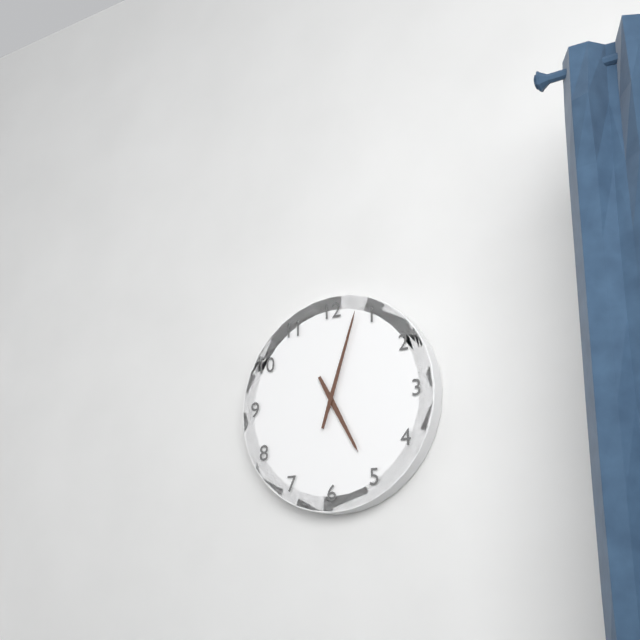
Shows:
{"hour": 5, "minute": 3}
